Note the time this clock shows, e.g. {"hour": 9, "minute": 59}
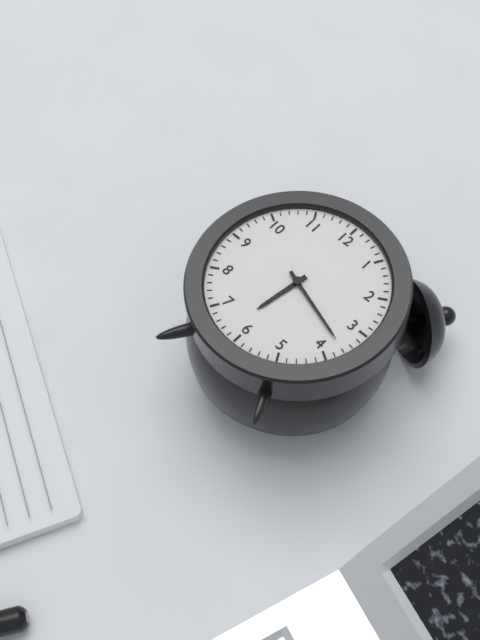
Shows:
{"hour": 6, "minute": 18}
